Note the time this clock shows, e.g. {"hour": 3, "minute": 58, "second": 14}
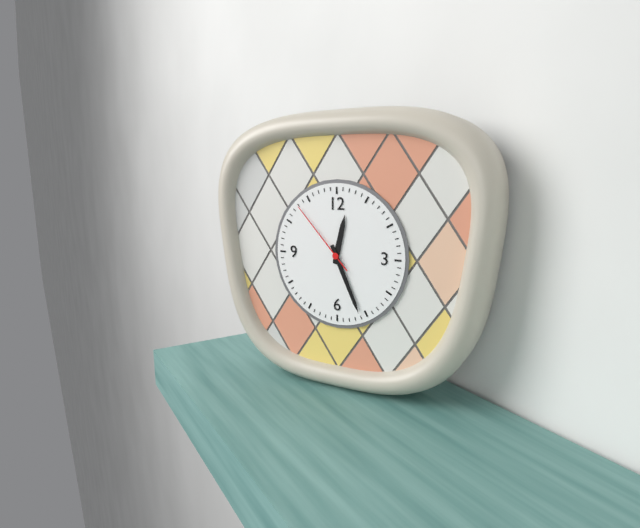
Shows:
{"hour": 12, "minute": 26, "second": 53}
